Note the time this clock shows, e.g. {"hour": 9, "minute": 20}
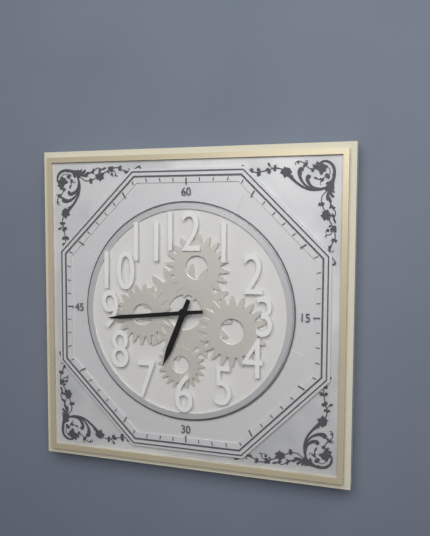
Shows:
{"hour": 6, "minute": 44}
